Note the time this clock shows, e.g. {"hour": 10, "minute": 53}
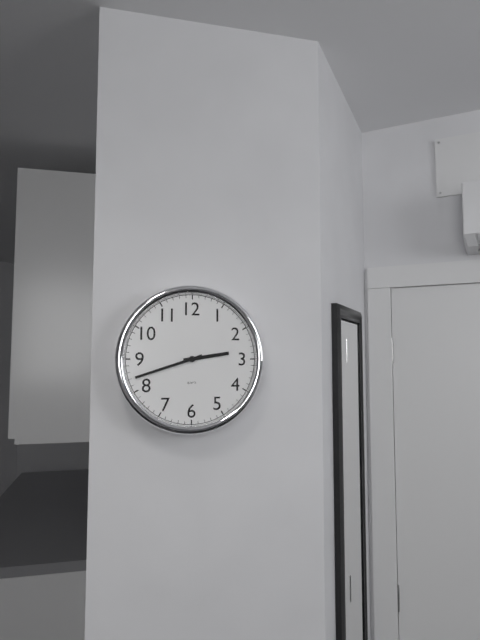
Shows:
{"hour": 2, "minute": 42}
